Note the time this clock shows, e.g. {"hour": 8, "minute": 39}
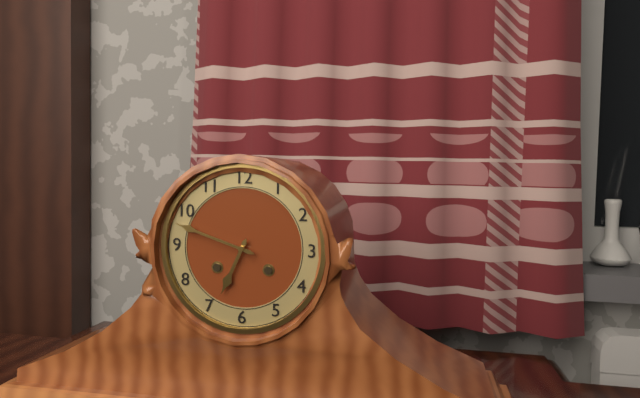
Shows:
{"hour": 6, "minute": 48}
